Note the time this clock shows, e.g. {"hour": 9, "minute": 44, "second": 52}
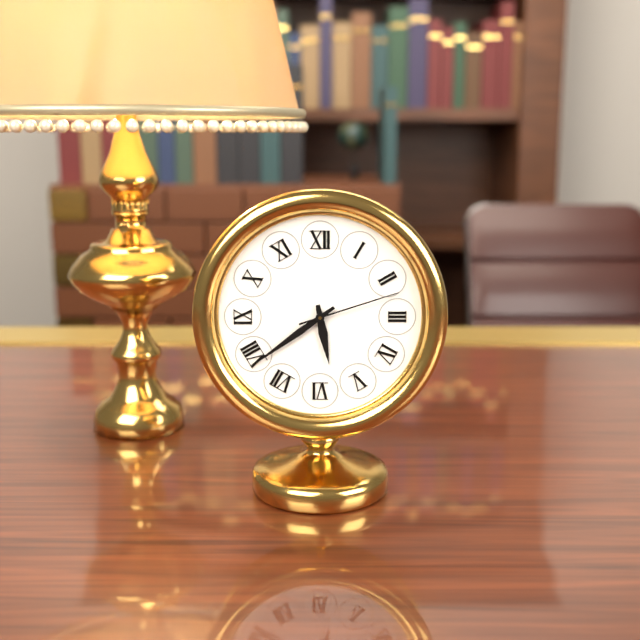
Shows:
{"hour": 5, "minute": 39, "second": 12}
